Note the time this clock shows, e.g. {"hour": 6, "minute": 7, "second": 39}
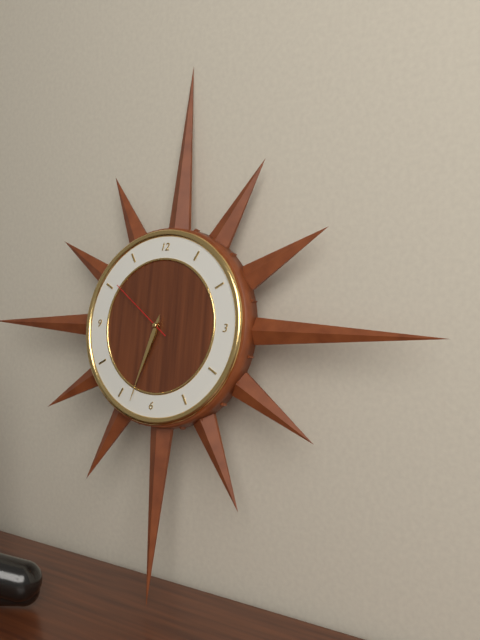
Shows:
{"hour": 6, "minute": 33, "second": 51}
